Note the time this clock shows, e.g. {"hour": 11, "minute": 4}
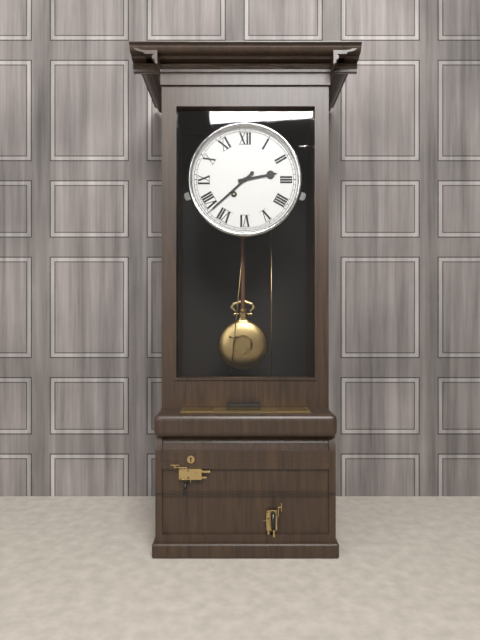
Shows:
{"hour": 2, "minute": 38}
